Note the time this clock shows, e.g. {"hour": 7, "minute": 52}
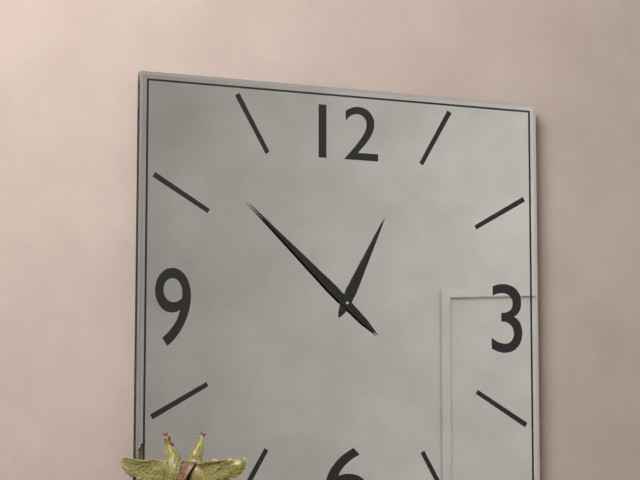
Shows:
{"hour": 12, "minute": 52}
